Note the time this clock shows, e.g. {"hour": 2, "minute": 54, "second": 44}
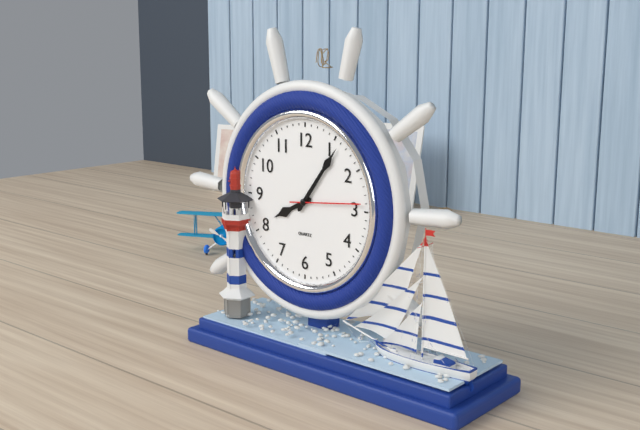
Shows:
{"hour": 8, "minute": 6, "second": 14}
